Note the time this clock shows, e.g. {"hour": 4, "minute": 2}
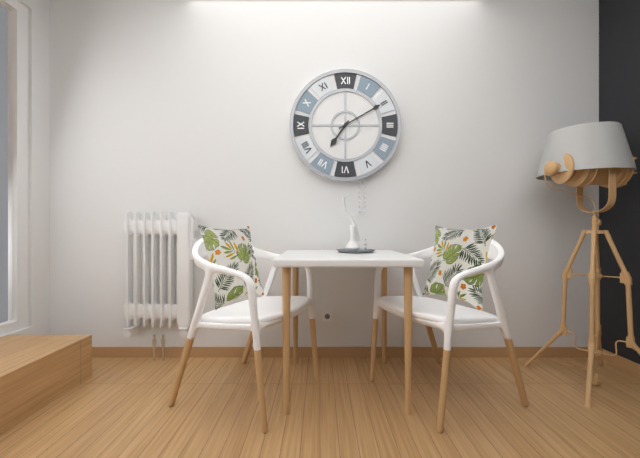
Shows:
{"hour": 7, "minute": 10}
